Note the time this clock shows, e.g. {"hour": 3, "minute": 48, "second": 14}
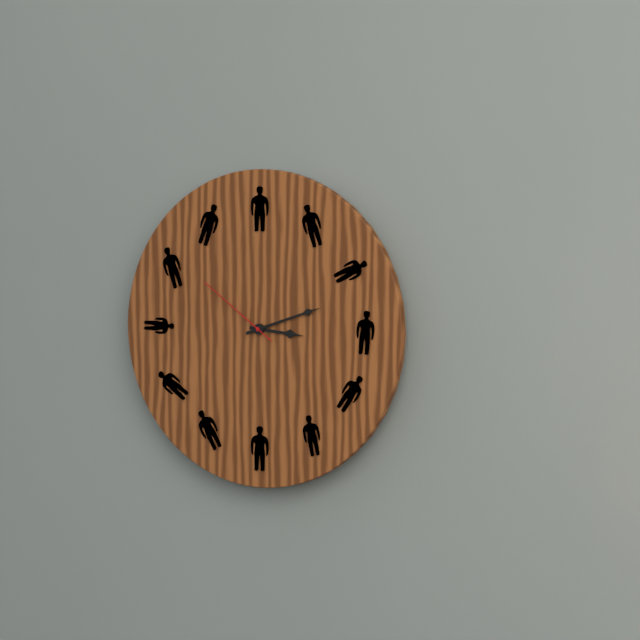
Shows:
{"hour": 3, "minute": 12, "second": 51}
